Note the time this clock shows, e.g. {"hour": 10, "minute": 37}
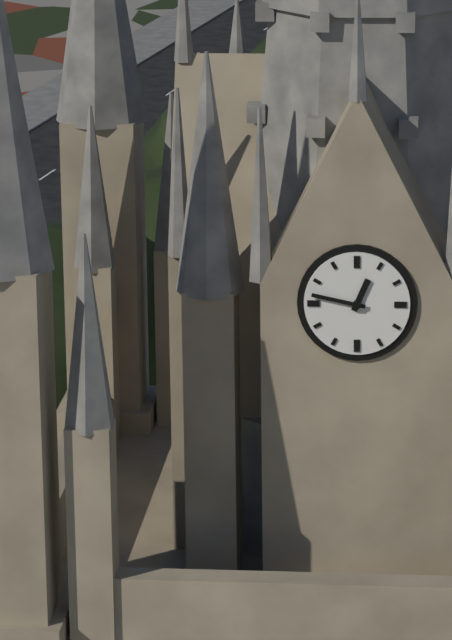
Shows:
{"hour": 12, "minute": 47}
